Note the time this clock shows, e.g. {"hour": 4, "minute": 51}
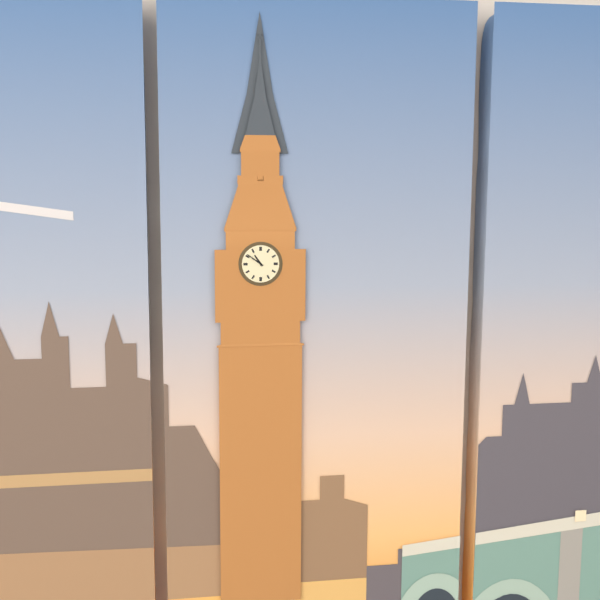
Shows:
{"hour": 10, "minute": 51}
